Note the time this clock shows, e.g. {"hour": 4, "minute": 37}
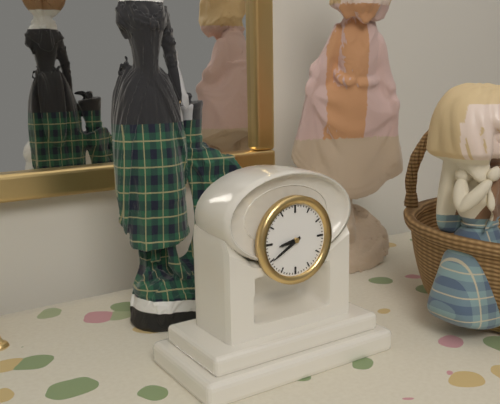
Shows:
{"hour": 8, "minute": 40}
